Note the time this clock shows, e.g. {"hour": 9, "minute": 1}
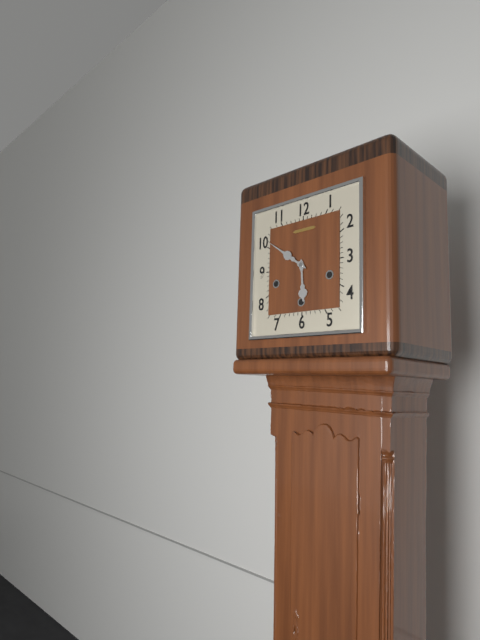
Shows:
{"hour": 5, "minute": 51}
